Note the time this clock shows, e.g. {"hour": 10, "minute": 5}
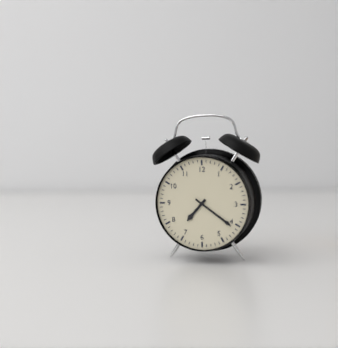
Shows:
{"hour": 7, "minute": 21}
